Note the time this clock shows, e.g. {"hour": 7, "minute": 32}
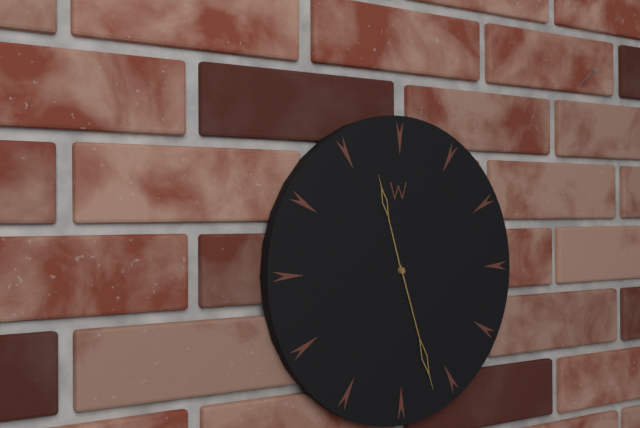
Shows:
{"hour": 11, "minute": 27}
